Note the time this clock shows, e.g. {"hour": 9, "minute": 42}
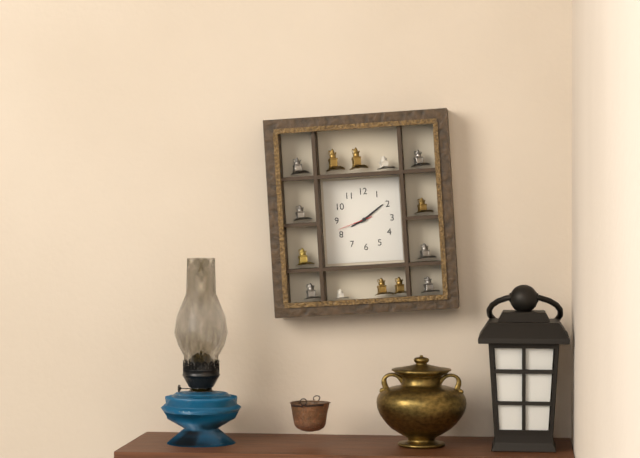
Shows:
{"hour": 8, "minute": 9}
